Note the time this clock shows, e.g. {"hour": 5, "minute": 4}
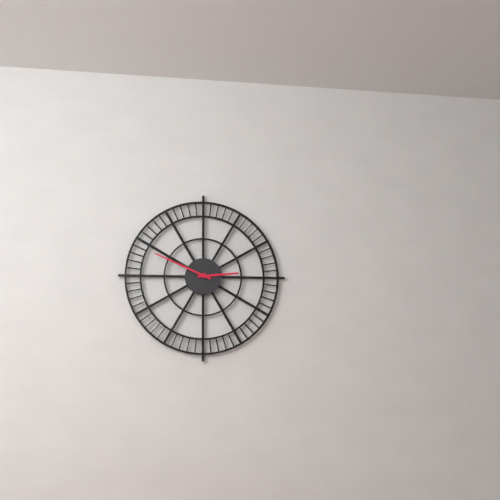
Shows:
{"hour": 2, "minute": 49}
